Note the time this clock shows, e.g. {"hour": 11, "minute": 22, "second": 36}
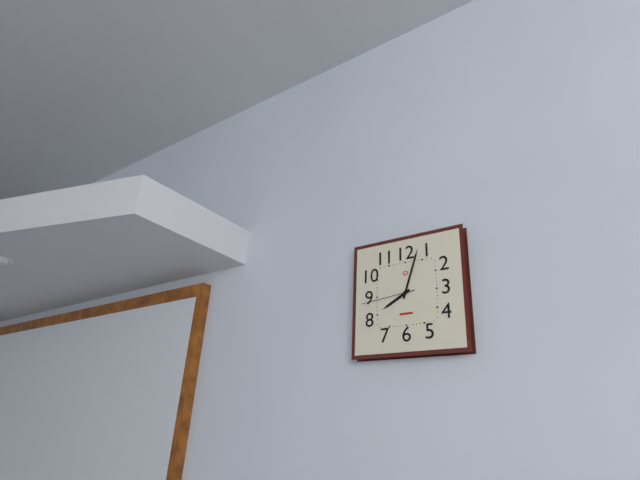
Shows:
{"hour": 8, "minute": 3, "second": 44}
